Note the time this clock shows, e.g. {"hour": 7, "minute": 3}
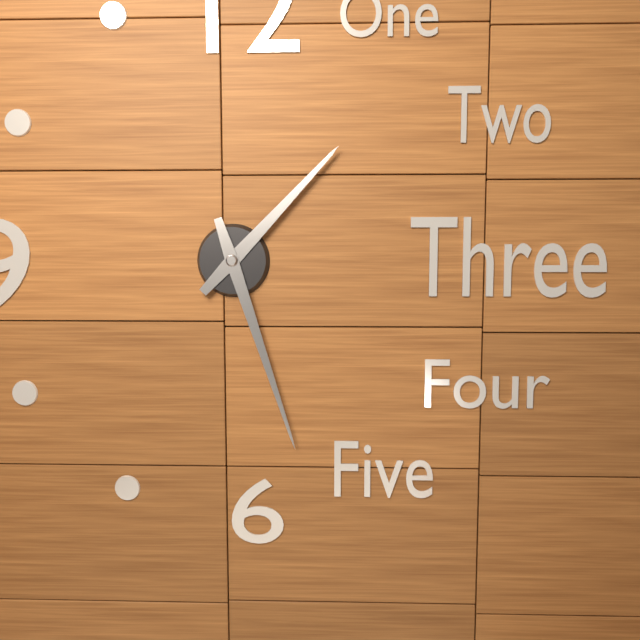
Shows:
{"hour": 1, "minute": 27}
